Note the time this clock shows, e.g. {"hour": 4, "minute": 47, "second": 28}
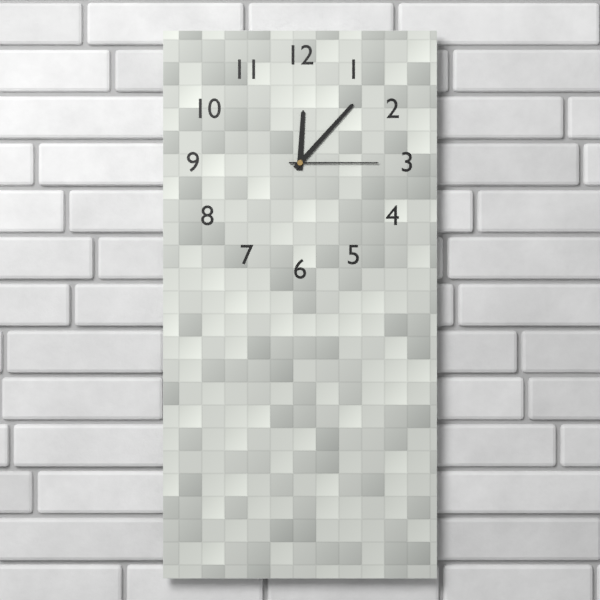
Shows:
{"hour": 12, "minute": 7, "second": 15}
